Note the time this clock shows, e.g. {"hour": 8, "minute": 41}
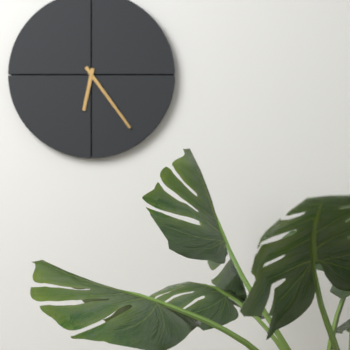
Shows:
{"hour": 6, "minute": 24}
